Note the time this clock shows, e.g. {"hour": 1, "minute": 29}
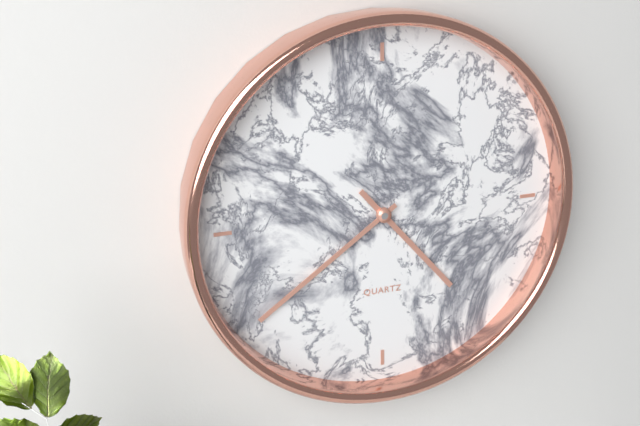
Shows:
{"hour": 4, "minute": 39}
